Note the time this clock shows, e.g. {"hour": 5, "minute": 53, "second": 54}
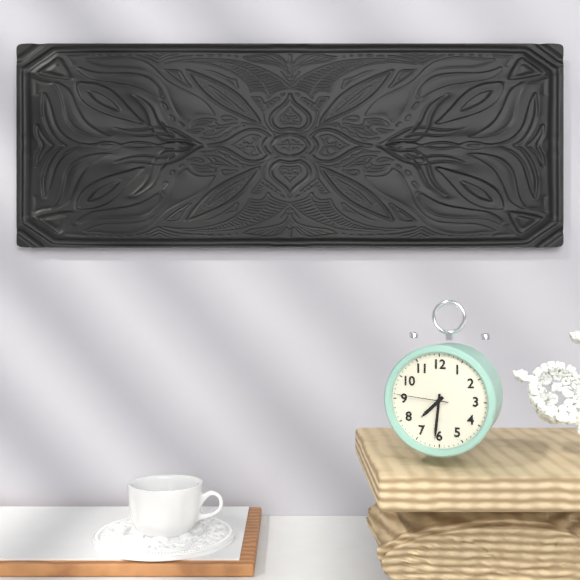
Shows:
{"hour": 7, "minute": 31, "second": 46}
